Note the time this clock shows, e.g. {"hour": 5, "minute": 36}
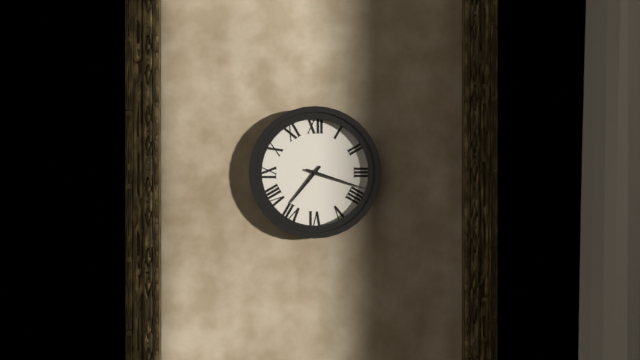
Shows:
{"hour": 7, "minute": 18}
